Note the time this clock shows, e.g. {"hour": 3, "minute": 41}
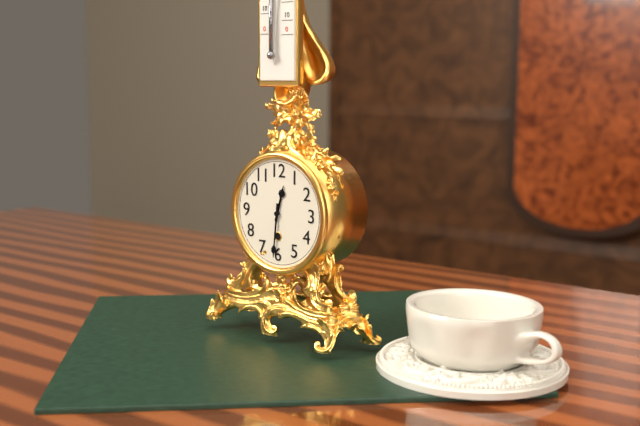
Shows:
{"hour": 12, "minute": 31}
